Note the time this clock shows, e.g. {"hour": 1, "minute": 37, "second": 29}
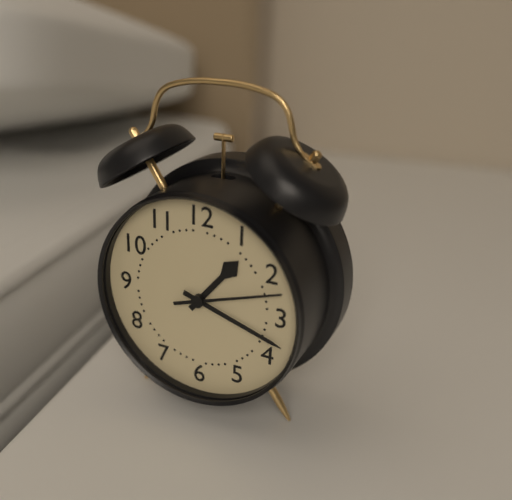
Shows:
{"hour": 1, "minute": 18, "second": 12}
